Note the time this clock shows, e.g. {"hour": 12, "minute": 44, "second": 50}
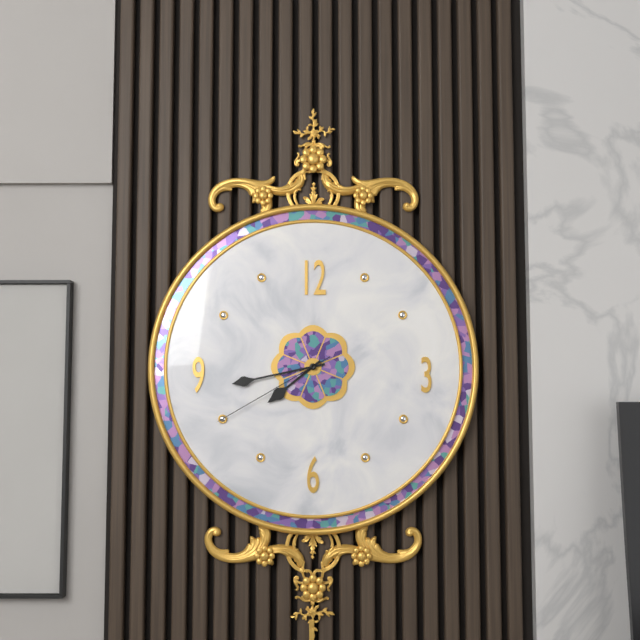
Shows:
{"hour": 7, "minute": 43, "second": 40}
